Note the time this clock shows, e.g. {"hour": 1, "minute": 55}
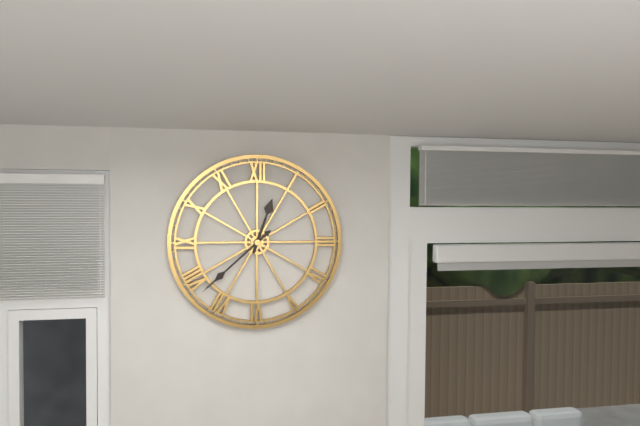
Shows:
{"hour": 12, "minute": 38}
